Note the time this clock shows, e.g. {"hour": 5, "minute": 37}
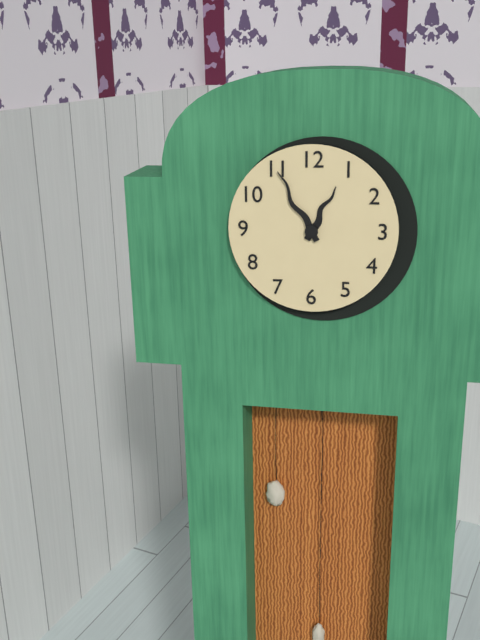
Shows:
{"hour": 12, "minute": 55}
